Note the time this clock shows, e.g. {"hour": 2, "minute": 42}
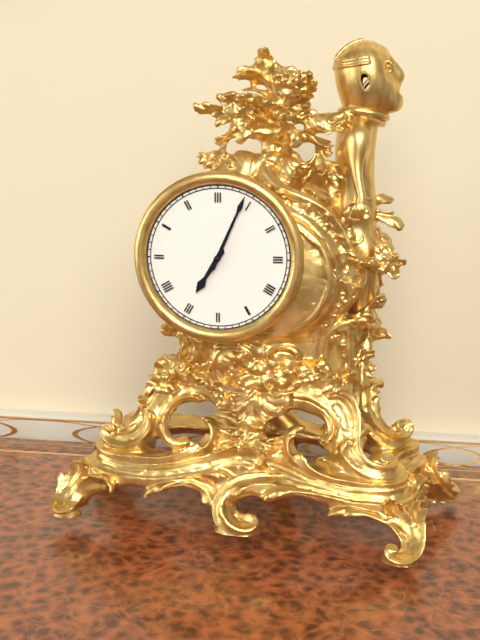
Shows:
{"hour": 7, "minute": 4}
